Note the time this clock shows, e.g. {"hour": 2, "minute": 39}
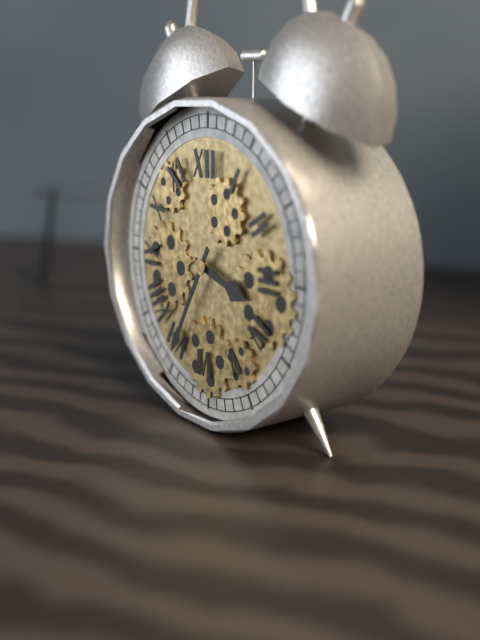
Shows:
{"hour": 3, "minute": 35}
